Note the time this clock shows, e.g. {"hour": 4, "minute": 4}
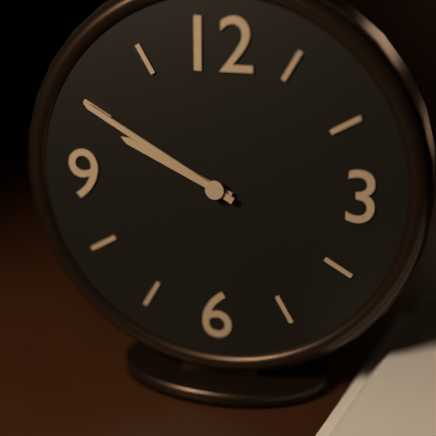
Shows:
{"hour": 9, "minute": 50}
